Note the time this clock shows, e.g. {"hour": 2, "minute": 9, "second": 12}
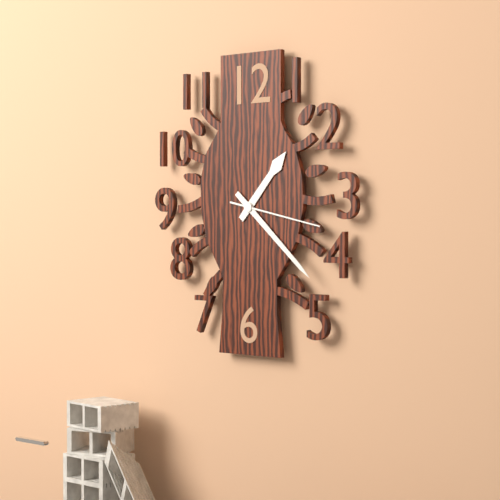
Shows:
{"hour": 1, "minute": 22, "second": 17}
